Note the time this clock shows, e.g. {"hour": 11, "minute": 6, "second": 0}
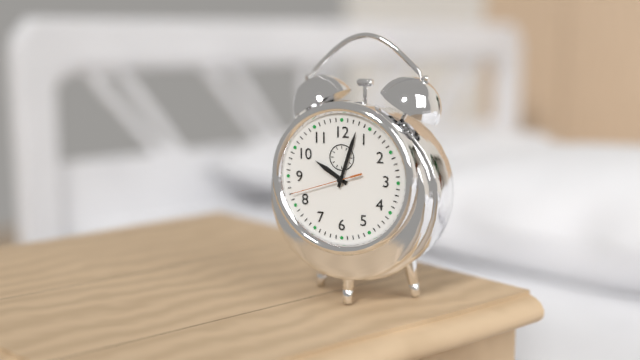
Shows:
{"hour": 10, "minute": 3, "second": 42}
